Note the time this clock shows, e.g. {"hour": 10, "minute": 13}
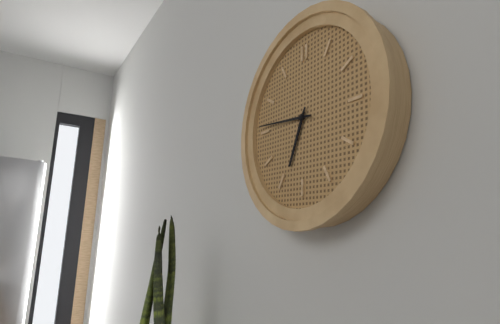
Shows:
{"hour": 6, "minute": 46}
